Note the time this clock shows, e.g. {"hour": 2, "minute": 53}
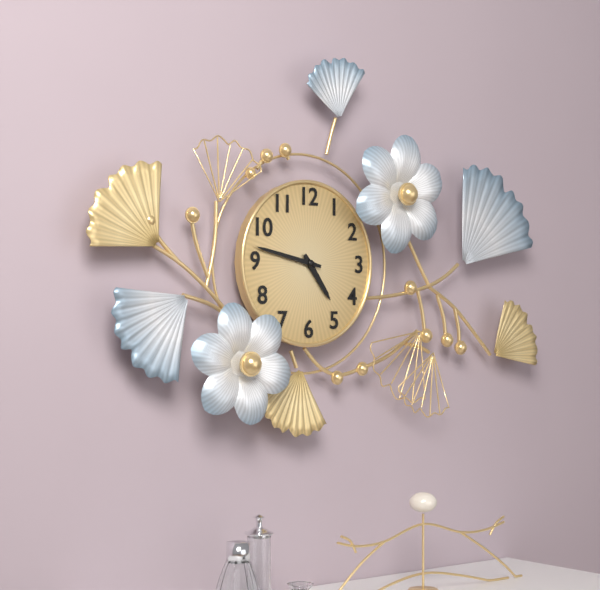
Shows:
{"hour": 4, "minute": 47}
